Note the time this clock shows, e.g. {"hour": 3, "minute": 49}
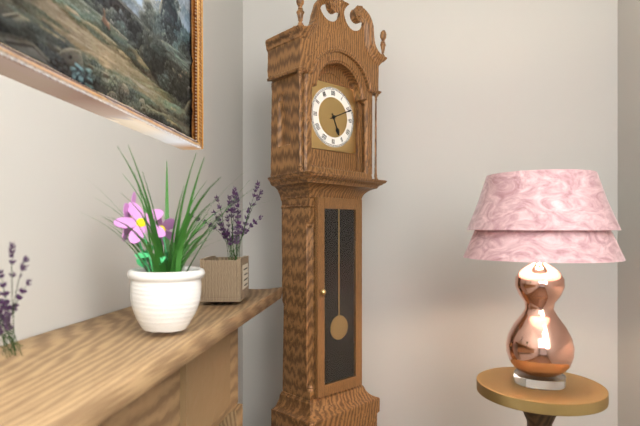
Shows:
{"hour": 5, "minute": 11}
